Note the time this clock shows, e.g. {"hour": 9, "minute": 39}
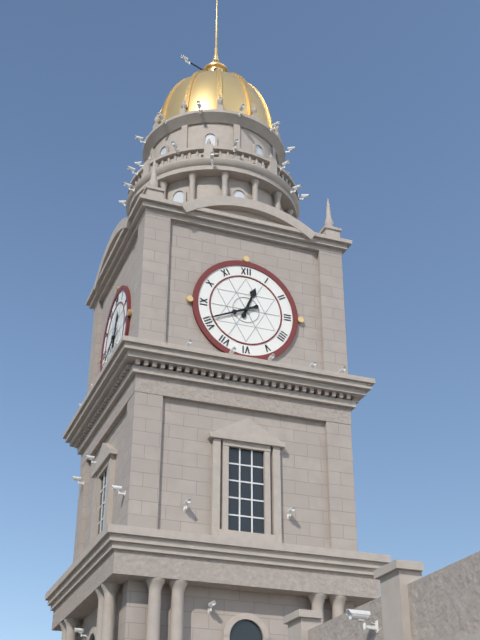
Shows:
{"hour": 12, "minute": 41}
